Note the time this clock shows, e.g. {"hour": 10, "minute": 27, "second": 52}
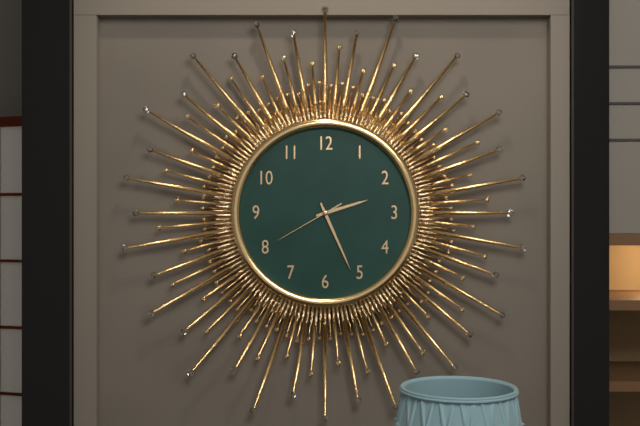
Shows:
{"hour": 2, "minute": 26, "second": 40}
